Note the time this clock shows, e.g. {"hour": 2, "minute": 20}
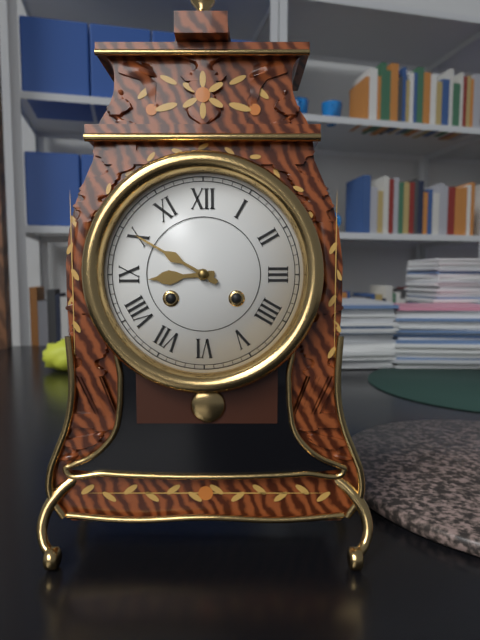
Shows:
{"hour": 8, "minute": 50}
